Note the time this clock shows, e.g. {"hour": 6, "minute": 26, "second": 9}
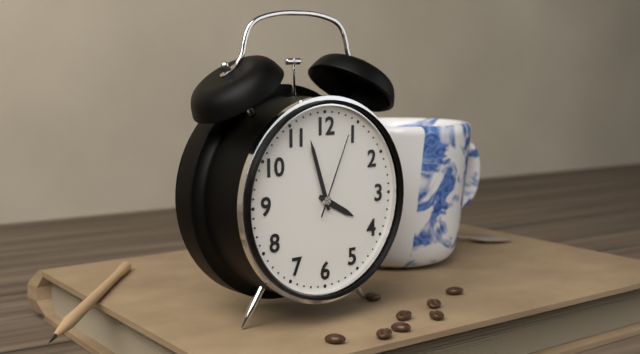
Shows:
{"hour": 3, "minute": 57, "second": 4}
